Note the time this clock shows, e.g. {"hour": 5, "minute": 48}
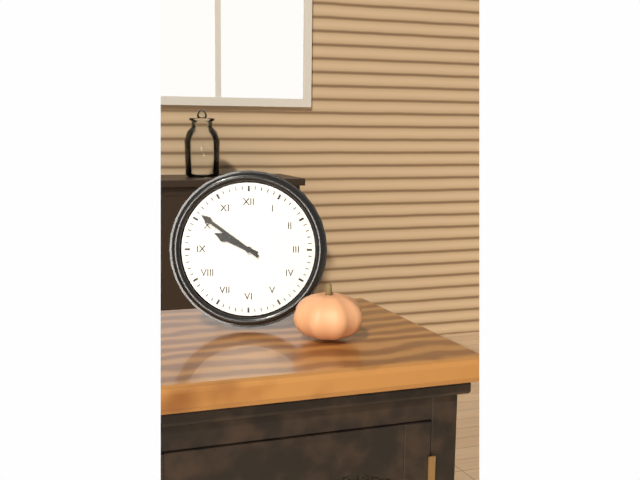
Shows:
{"hour": 9, "minute": 51}
